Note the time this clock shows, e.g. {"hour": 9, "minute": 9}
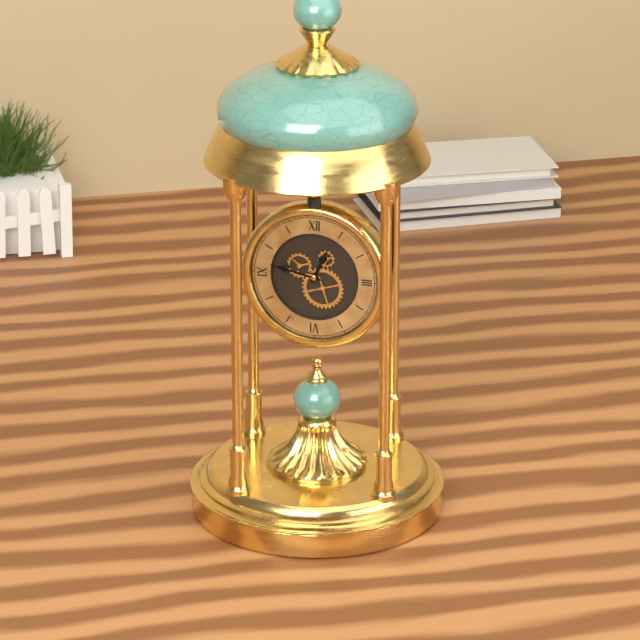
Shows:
{"hour": 12, "minute": 47}
